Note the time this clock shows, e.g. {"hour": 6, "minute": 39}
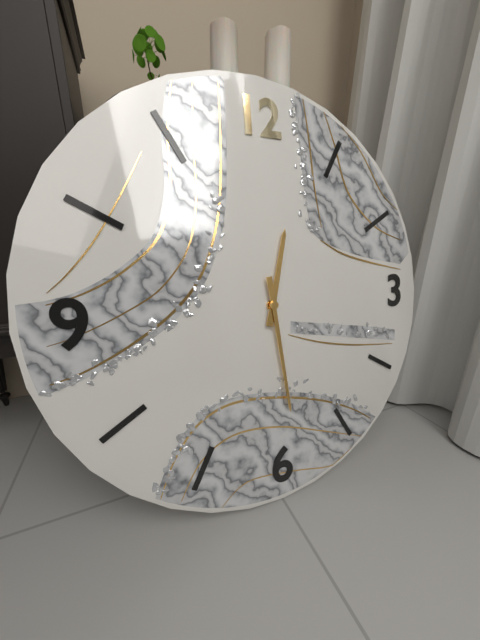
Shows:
{"hour": 12, "minute": 29}
